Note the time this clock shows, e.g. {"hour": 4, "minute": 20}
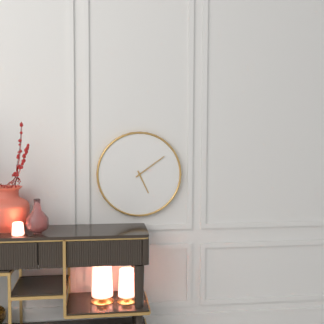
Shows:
{"hour": 5, "minute": 9}
